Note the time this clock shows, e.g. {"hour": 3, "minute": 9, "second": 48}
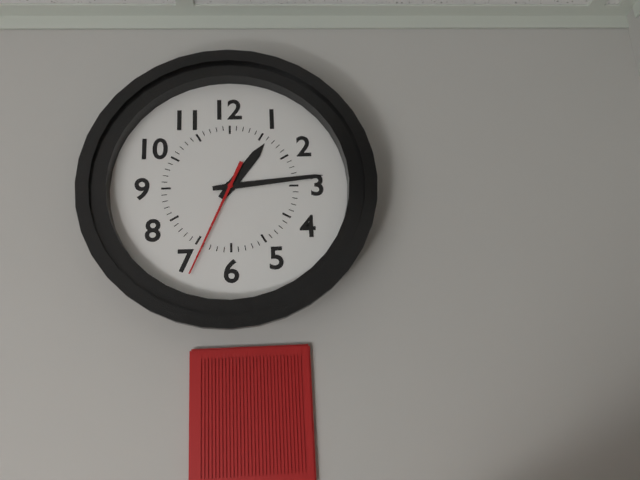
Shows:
{"hour": 1, "minute": 14, "second": 34}
